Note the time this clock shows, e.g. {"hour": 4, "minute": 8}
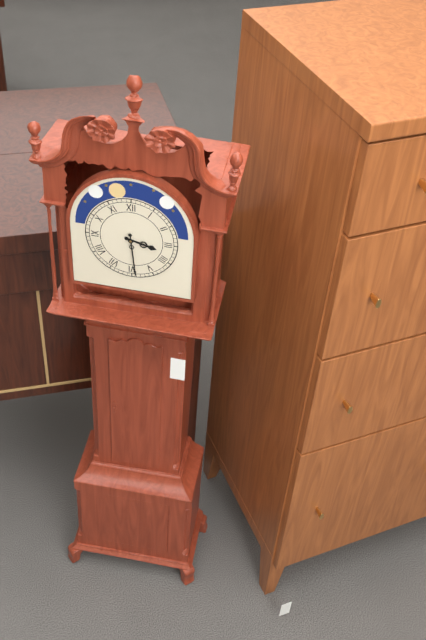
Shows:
{"hour": 3, "minute": 29}
